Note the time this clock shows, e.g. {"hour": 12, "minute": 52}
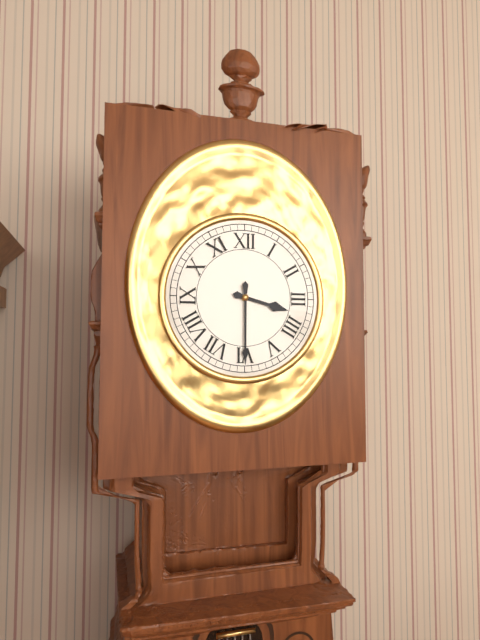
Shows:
{"hour": 3, "minute": 30}
